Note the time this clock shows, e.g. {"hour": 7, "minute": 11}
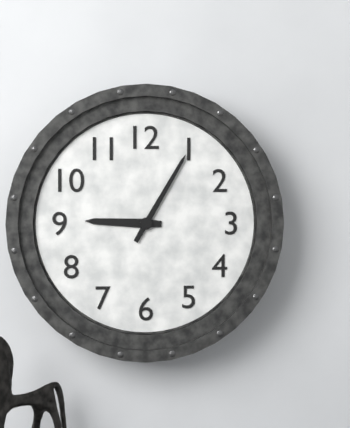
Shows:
{"hour": 9, "minute": 5}
